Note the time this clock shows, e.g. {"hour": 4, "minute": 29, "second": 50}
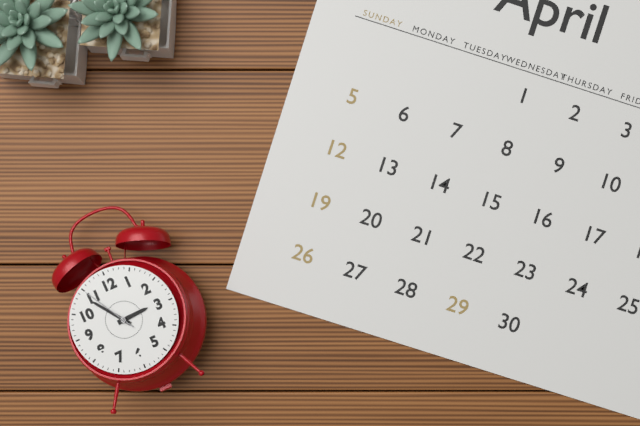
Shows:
{"hour": 2, "minute": 54, "second": 55}
